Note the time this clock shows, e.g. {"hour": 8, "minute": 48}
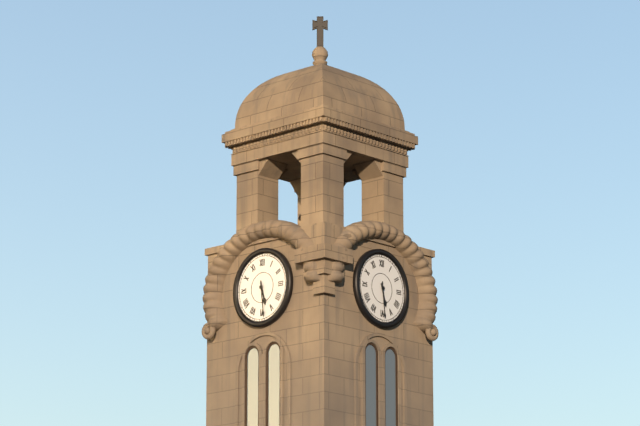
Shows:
{"hour": 5, "minute": 29}
